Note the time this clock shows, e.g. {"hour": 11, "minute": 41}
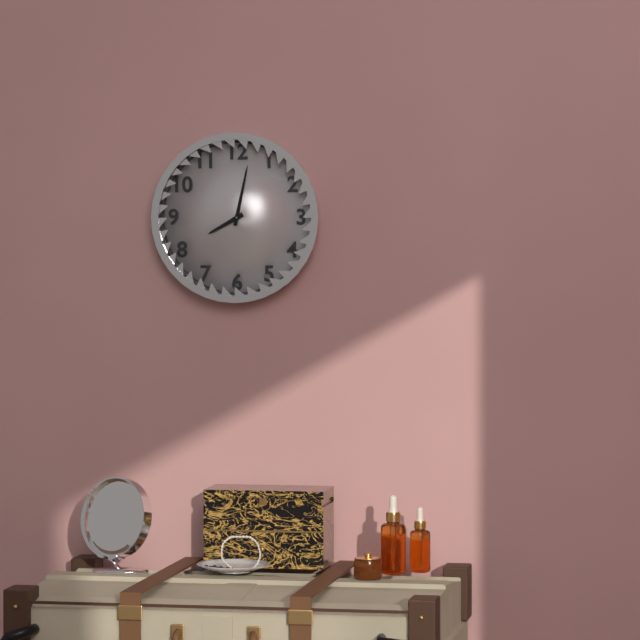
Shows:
{"hour": 8, "minute": 2}
